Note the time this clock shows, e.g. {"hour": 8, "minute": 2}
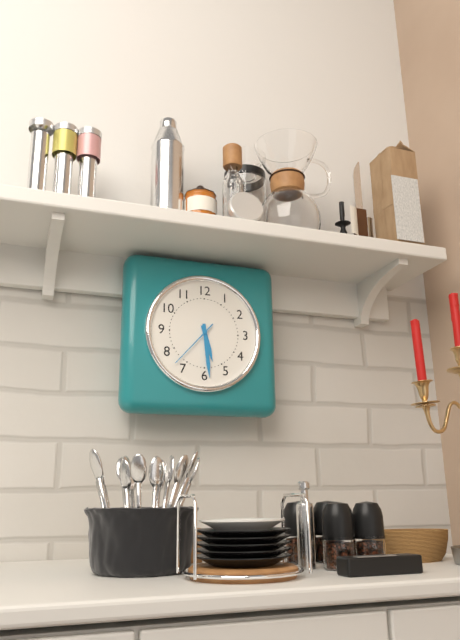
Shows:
{"hour": 5, "minute": 29}
